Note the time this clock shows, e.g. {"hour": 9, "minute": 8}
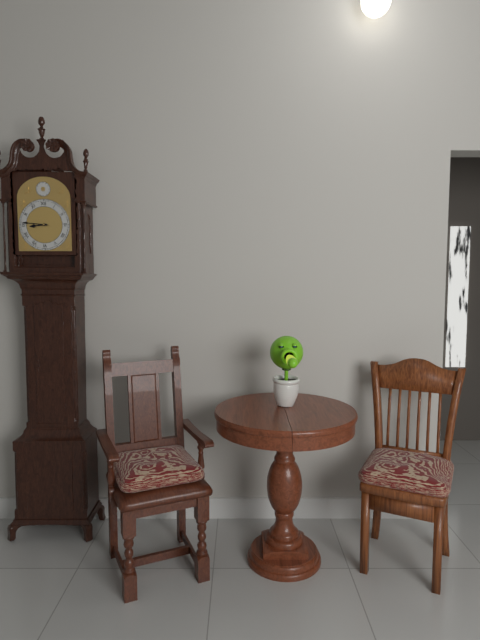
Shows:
{"hour": 8, "minute": 46}
